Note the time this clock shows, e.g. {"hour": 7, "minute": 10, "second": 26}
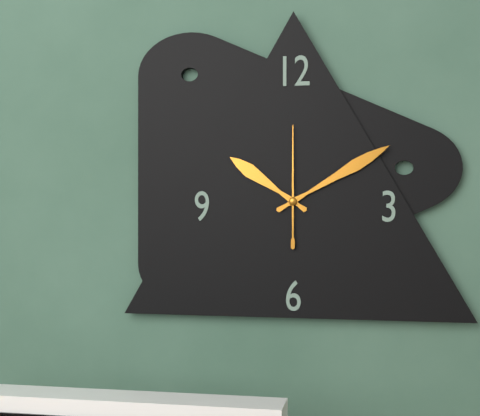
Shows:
{"hour": 10, "minute": 10, "second": 0}
